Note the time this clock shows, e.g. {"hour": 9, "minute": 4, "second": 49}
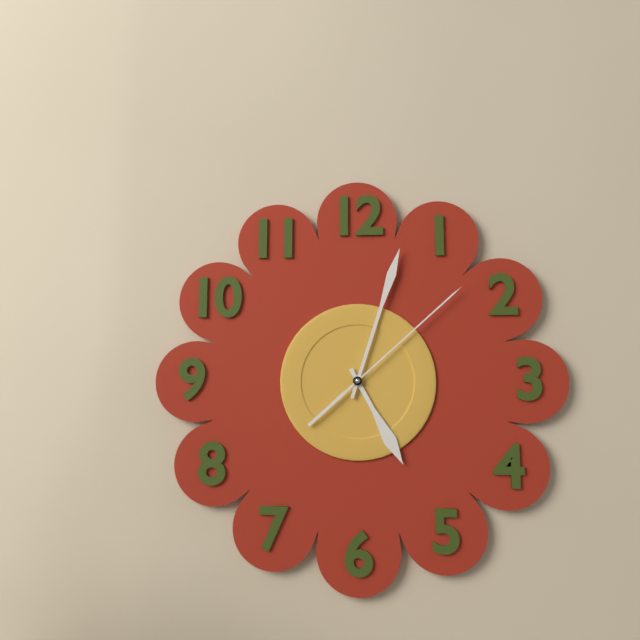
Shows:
{"hour": 5, "minute": 3, "second": 8}
